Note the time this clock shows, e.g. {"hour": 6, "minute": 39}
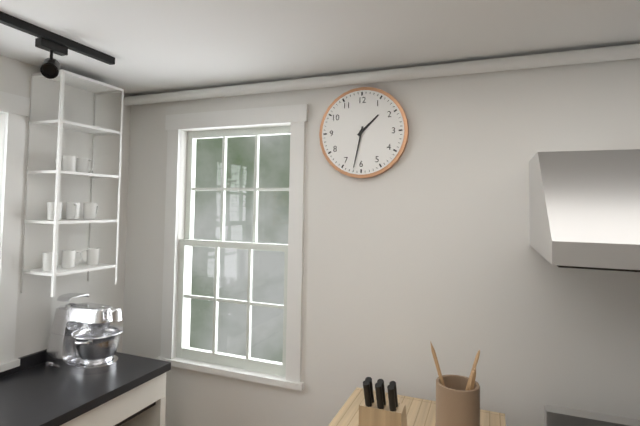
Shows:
{"hour": 1, "minute": 32}
